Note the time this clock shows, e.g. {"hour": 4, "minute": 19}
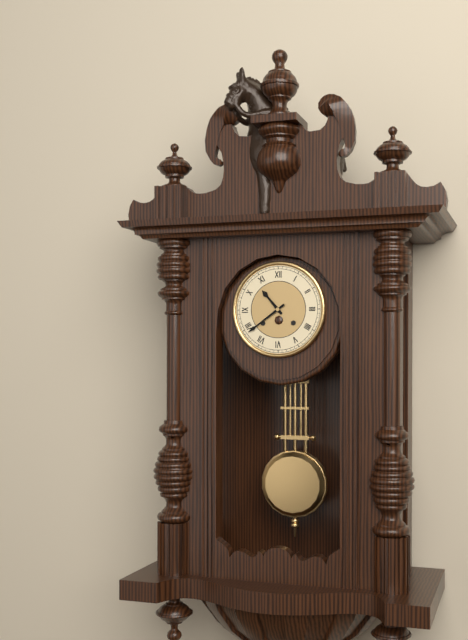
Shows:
{"hour": 10, "minute": 39}
